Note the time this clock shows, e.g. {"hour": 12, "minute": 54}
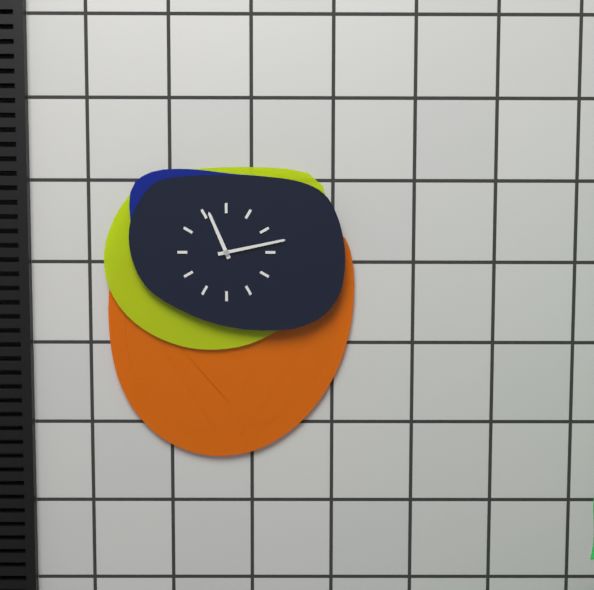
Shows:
{"hour": 11, "minute": 13}
